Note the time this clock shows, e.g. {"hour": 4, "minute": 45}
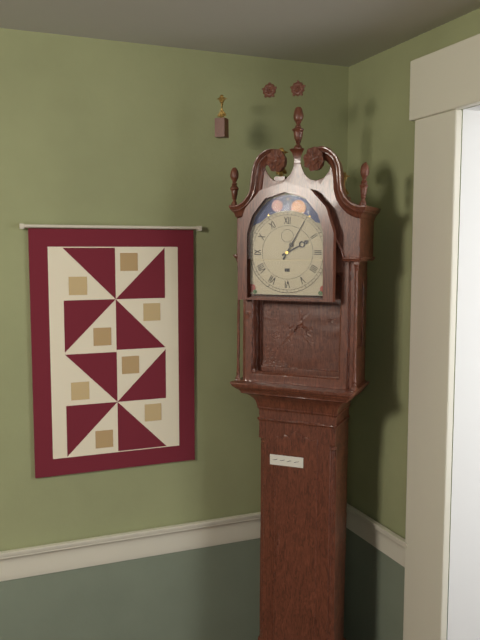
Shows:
{"hour": 2, "minute": 5}
